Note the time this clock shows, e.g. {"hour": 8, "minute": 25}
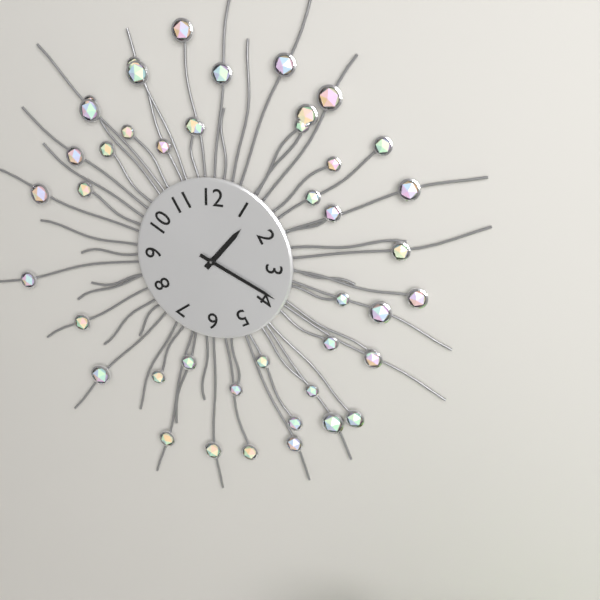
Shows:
{"hour": 1, "minute": 19}
